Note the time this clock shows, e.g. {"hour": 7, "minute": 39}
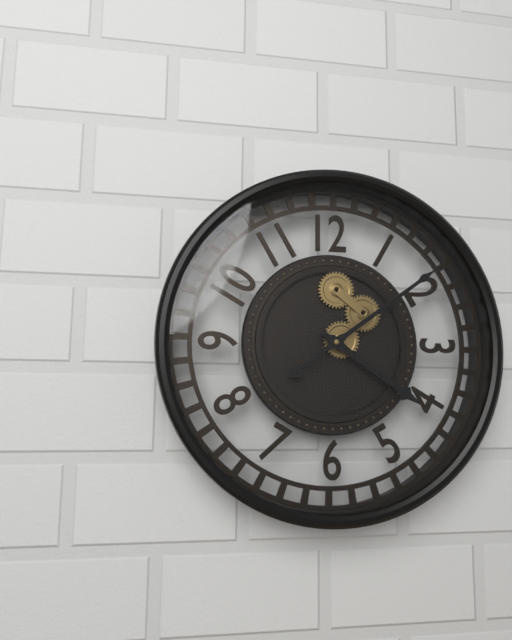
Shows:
{"hour": 4, "minute": 9}
